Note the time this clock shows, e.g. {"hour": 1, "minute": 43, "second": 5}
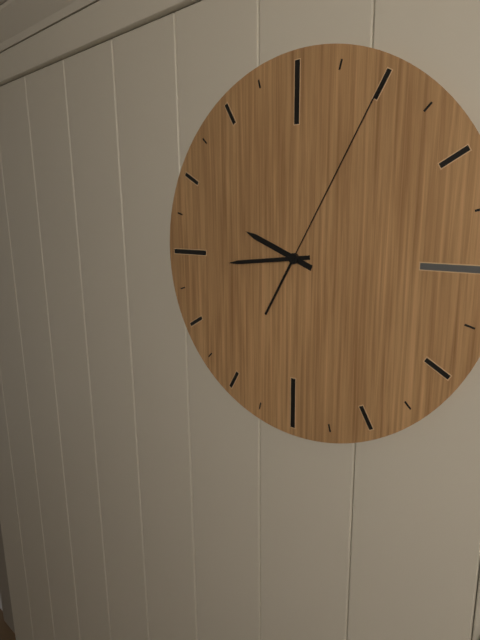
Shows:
{"hour": 9, "minute": 44, "second": 5}
